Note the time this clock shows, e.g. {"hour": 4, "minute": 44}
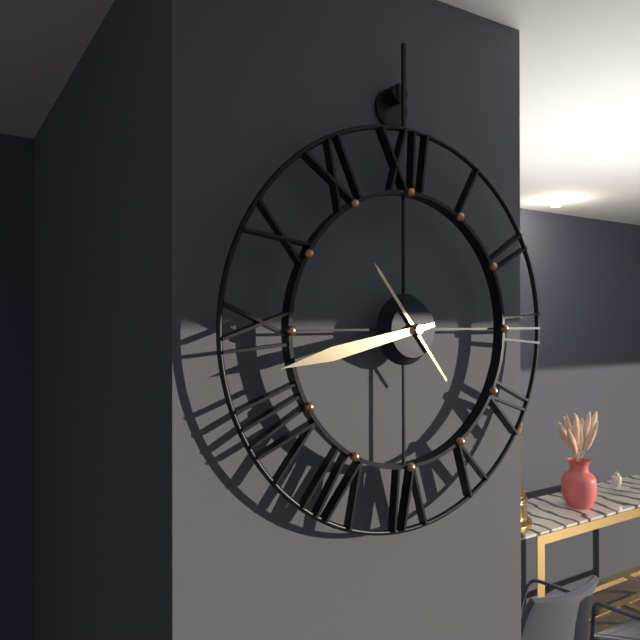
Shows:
{"hour": 10, "minute": 43}
